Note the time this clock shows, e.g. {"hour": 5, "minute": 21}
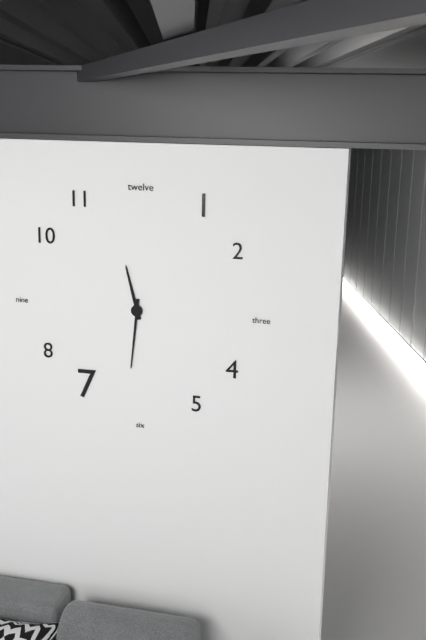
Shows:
{"hour": 11, "minute": 31}
